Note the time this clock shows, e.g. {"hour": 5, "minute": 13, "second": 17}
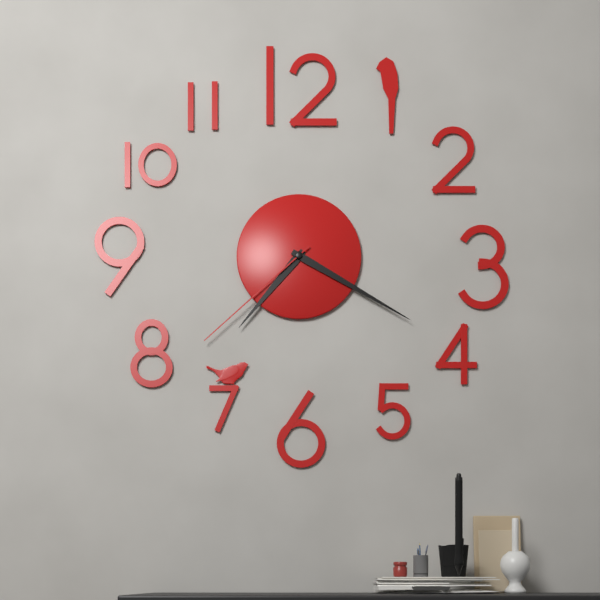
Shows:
{"hour": 7, "minute": 20, "second": 38}
